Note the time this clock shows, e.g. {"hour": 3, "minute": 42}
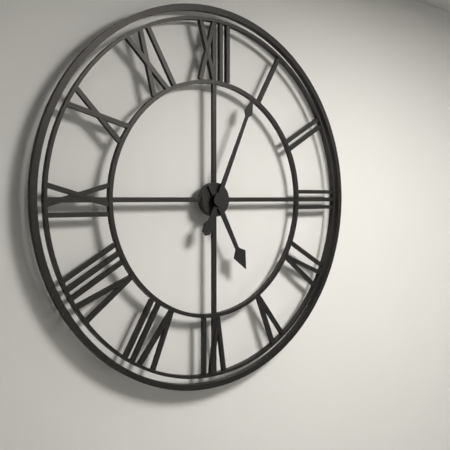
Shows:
{"hour": 5, "minute": 4}
